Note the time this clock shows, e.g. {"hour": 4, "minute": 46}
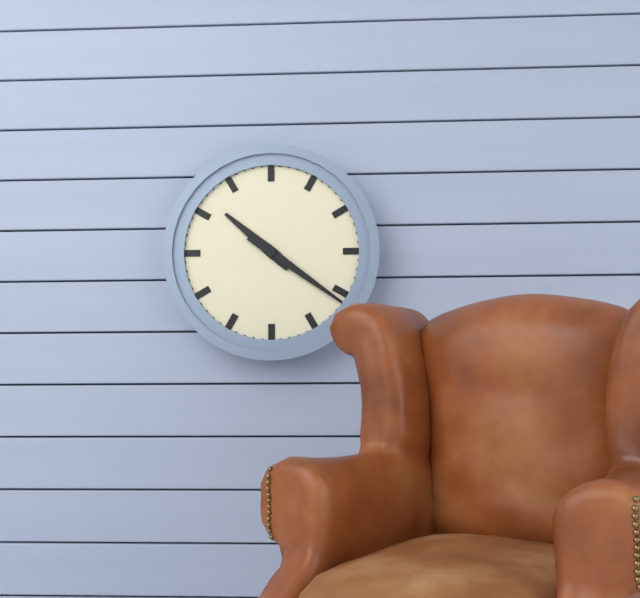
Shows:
{"hour": 10, "minute": 21}
